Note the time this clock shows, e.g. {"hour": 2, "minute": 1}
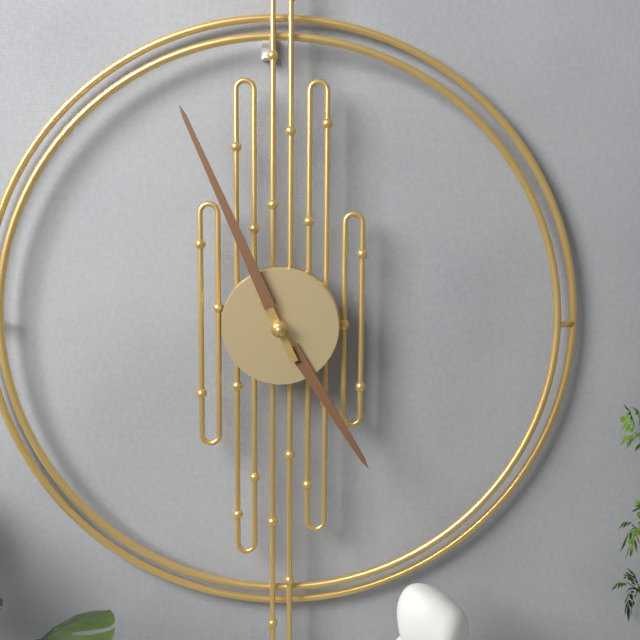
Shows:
{"hour": 4, "minute": 56}
